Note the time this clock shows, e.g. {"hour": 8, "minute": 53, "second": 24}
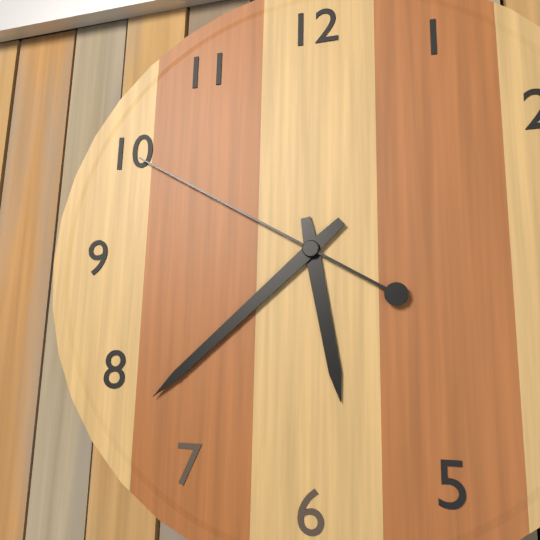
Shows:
{"hour": 5, "minute": 38, "second": 50}
